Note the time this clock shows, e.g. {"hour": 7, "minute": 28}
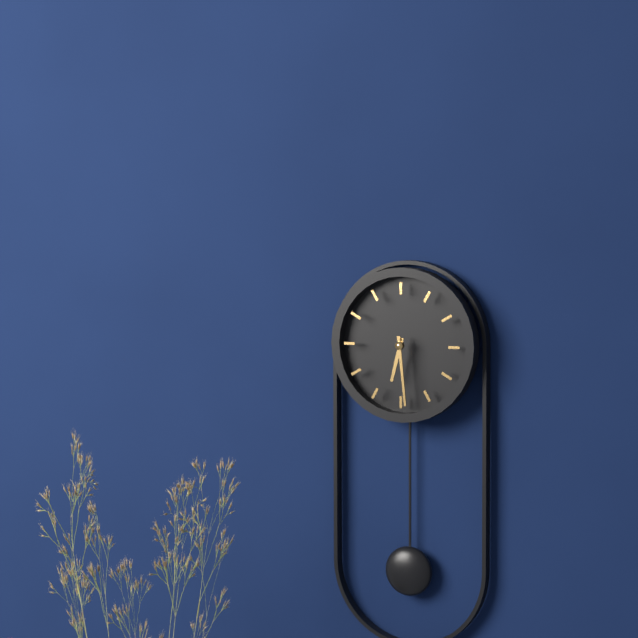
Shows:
{"hour": 6, "minute": 29}
